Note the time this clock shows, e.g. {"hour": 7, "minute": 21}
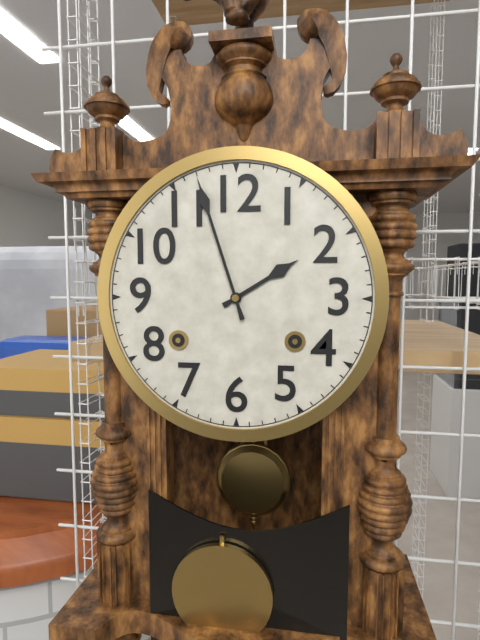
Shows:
{"hour": 1, "minute": 57}
